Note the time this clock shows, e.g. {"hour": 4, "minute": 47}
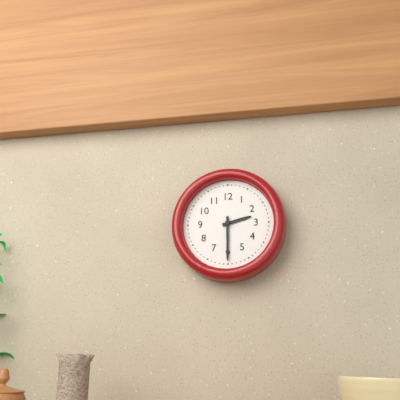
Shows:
{"hour": 2, "minute": 30}
